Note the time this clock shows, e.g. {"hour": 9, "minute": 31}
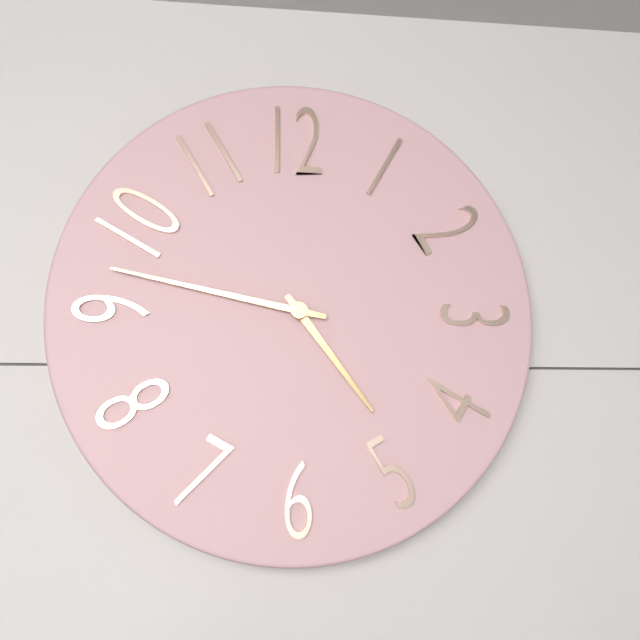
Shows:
{"hour": 4, "minute": 47}
